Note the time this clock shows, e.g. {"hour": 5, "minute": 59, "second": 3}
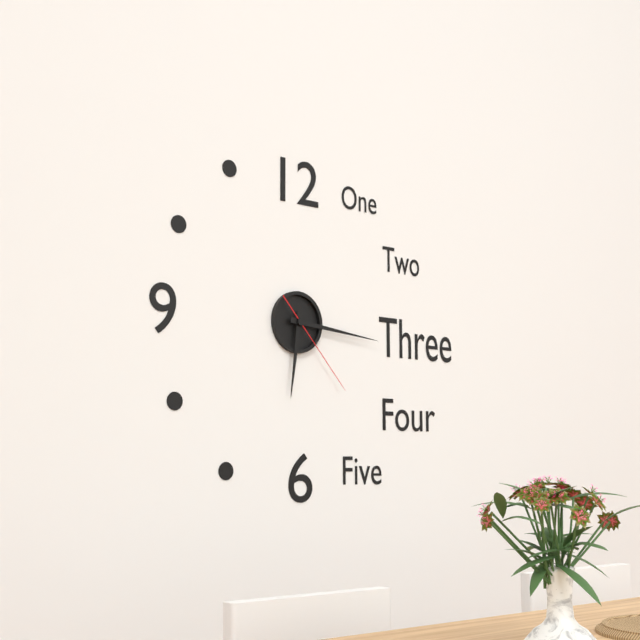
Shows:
{"hour": 6, "minute": 16, "second": 23}
